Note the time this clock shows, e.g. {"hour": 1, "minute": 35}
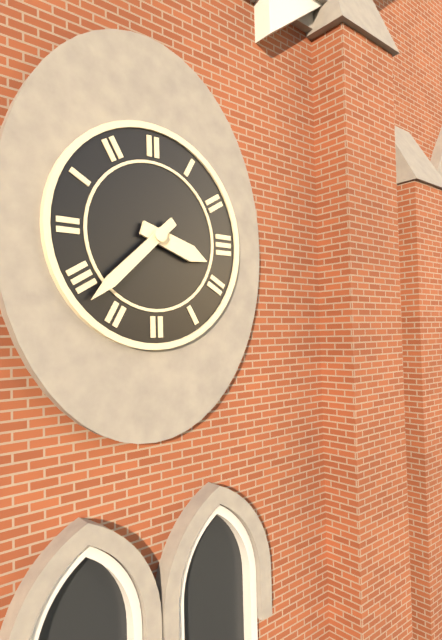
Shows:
{"hour": 3, "minute": 38}
